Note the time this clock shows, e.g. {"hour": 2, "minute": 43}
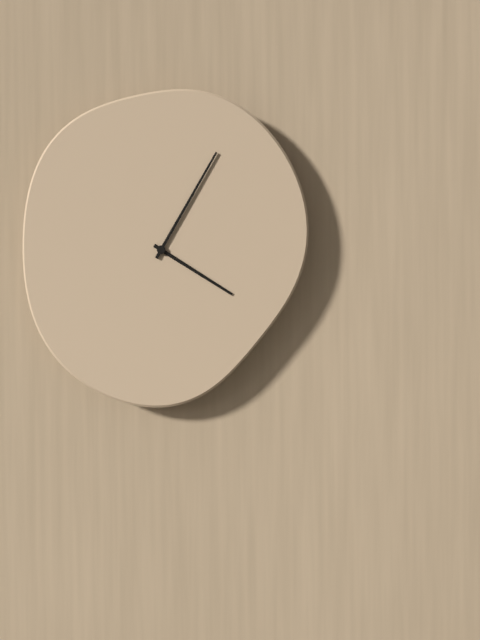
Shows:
{"hour": 4, "minute": 5}
